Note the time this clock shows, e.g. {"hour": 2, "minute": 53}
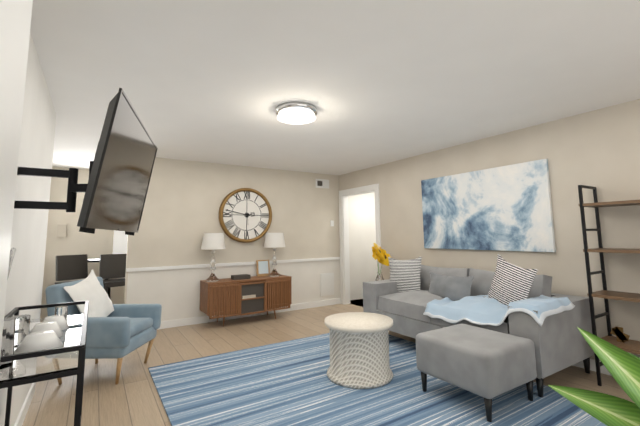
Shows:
{"hour": 2, "minute": 47}
